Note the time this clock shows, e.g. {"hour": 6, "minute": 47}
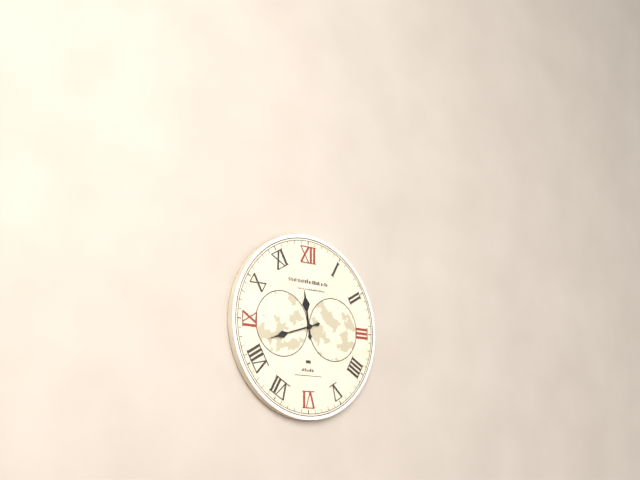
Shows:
{"hour": 11, "minute": 42}
